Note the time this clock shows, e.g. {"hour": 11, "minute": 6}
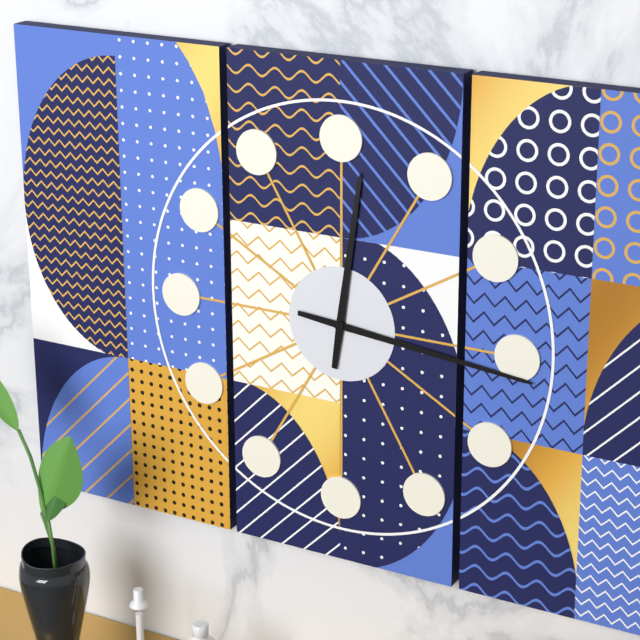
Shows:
{"hour": 12, "minute": 16}
